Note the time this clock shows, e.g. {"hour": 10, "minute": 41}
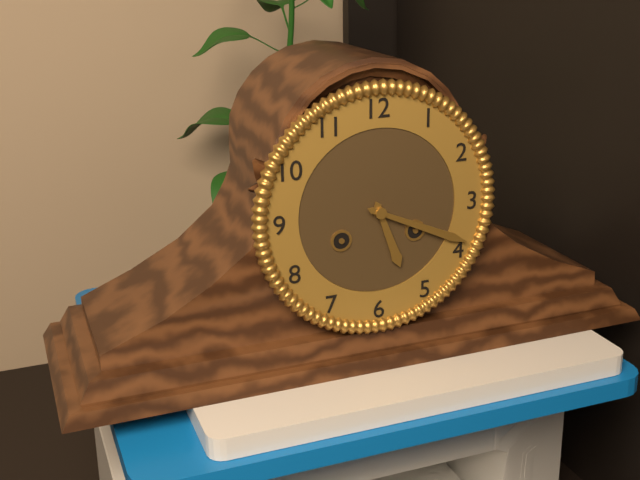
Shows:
{"hour": 5, "minute": 19}
